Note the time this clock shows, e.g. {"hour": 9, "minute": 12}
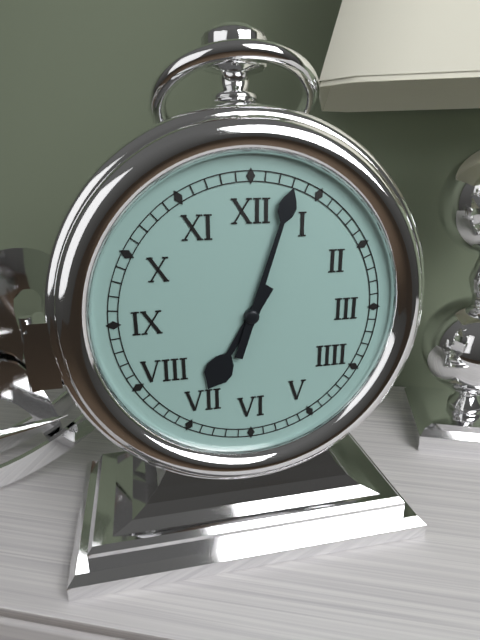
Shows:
{"hour": 7, "minute": 3}
